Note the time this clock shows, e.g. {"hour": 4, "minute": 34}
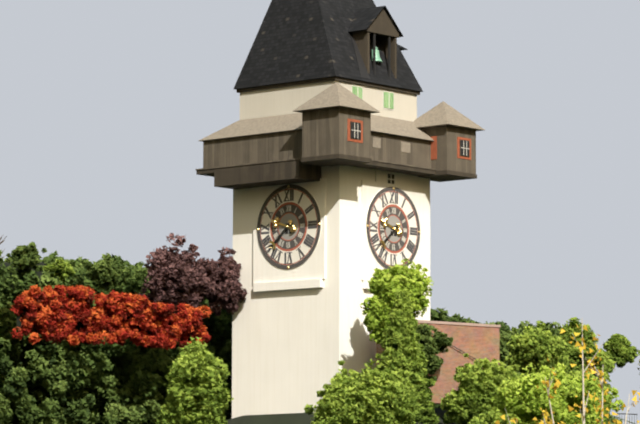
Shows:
{"hour": 9, "minute": 38}
